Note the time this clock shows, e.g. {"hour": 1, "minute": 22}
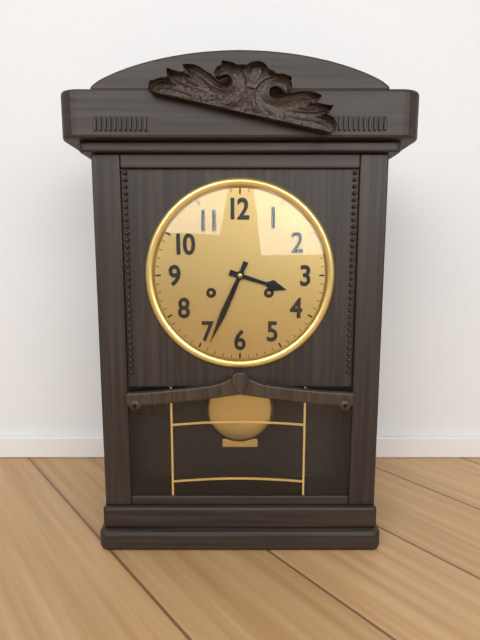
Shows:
{"hour": 3, "minute": 34}
